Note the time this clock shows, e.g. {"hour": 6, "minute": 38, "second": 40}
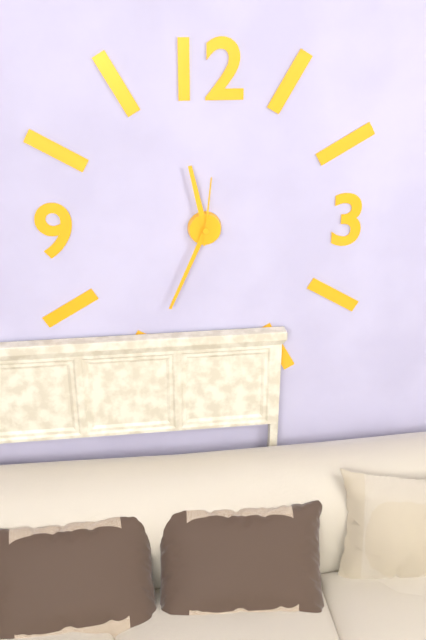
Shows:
{"hour": 11, "minute": 34, "second": 1}
